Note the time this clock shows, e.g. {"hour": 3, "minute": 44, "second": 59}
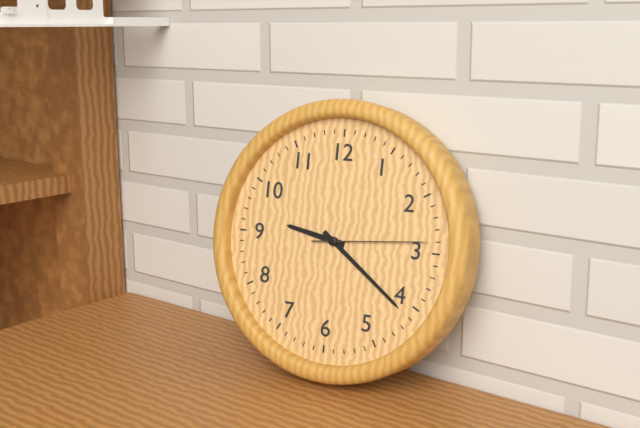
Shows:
{"hour": 9, "minute": 21, "second": 14}
